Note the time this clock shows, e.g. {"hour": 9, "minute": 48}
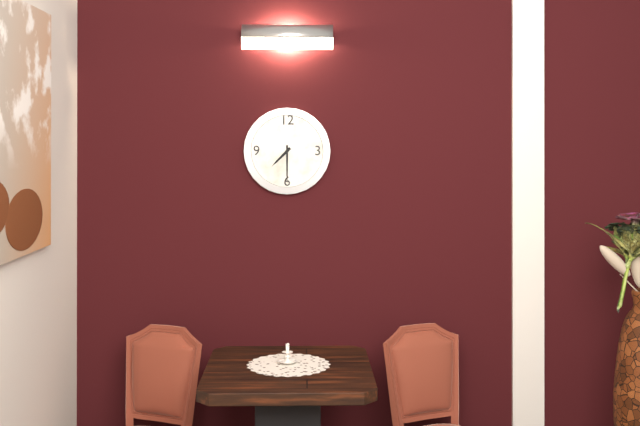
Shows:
{"hour": 7, "minute": 30}
